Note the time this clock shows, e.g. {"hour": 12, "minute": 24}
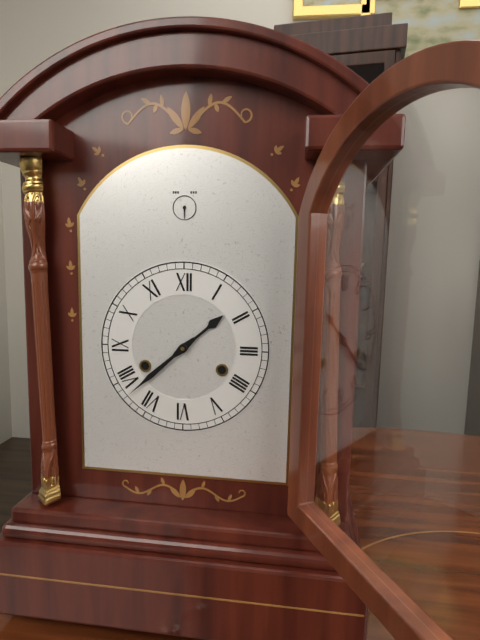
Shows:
{"hour": 1, "minute": 38}
